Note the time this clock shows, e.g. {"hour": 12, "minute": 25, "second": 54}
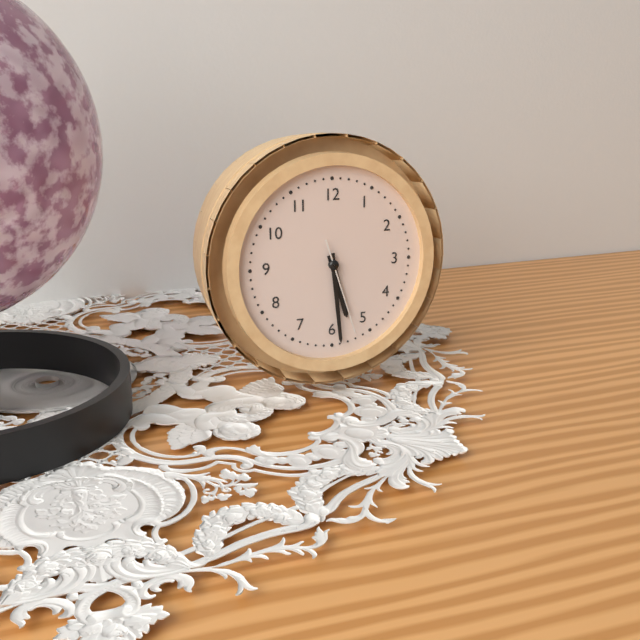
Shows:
{"hour": 5, "minute": 29, "second": 27}
